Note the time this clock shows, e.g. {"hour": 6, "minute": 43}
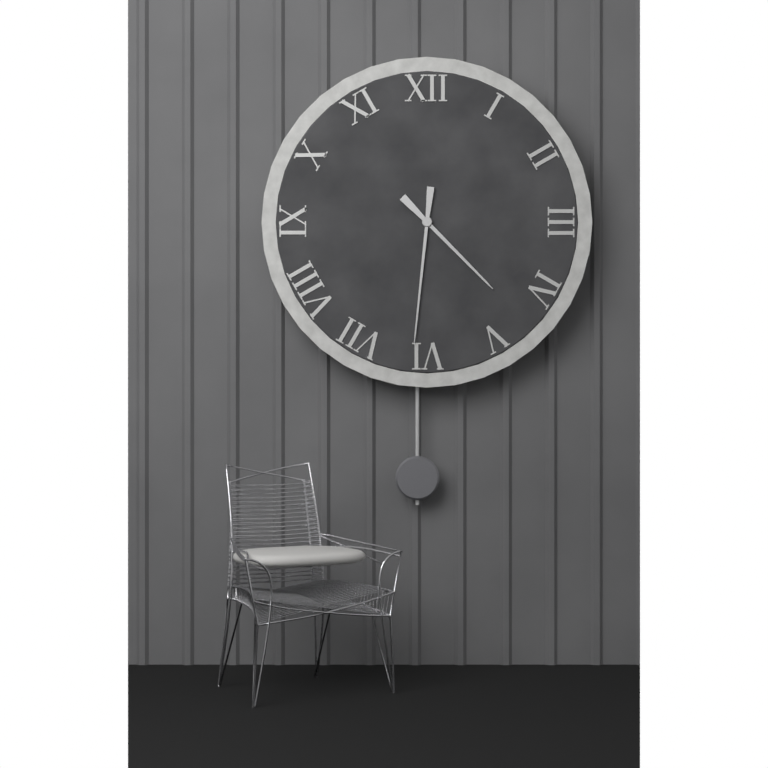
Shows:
{"hour": 4, "minute": 31}
